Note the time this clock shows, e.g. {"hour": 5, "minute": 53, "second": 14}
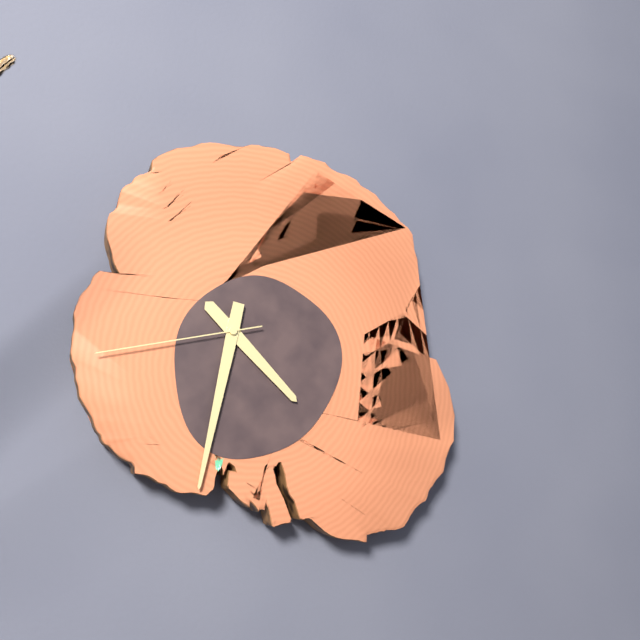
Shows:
{"hour": 4, "minute": 32, "second": 43}
